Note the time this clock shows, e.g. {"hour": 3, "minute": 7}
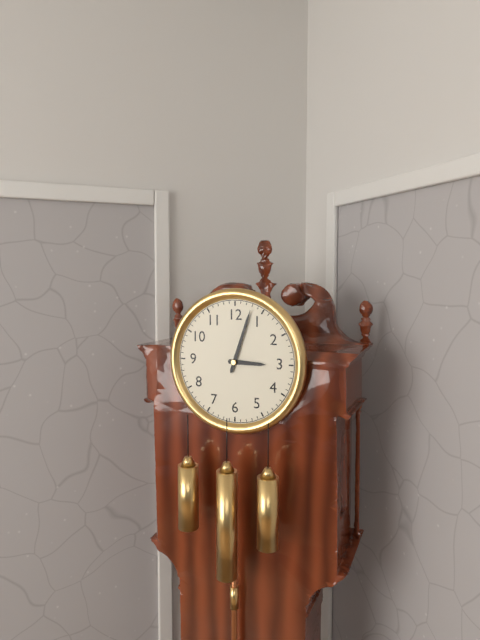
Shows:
{"hour": 3, "minute": 3}
